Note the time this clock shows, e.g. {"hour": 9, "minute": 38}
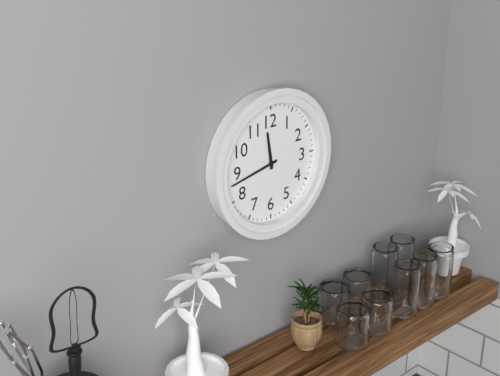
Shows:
{"hour": 11, "minute": 43}
